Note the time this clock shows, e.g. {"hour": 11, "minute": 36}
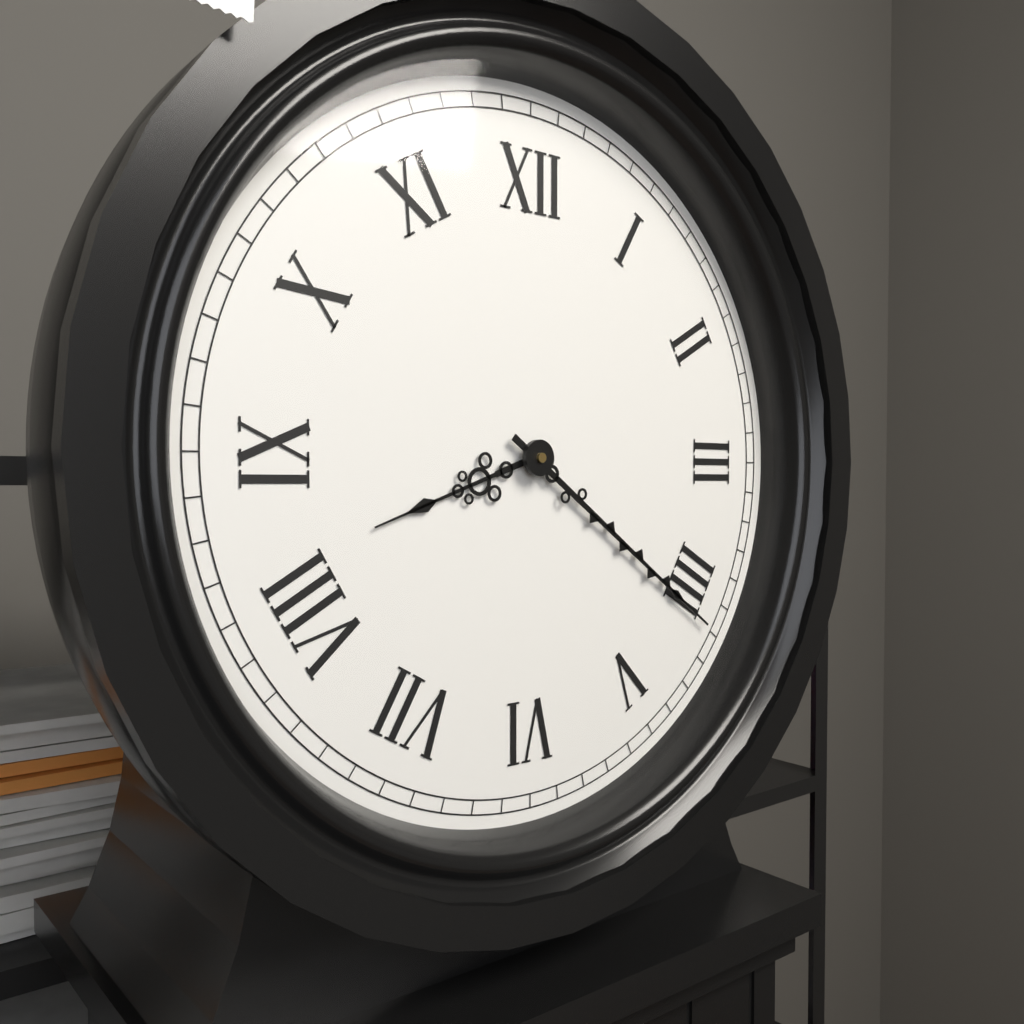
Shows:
{"hour": 8, "minute": 21}
